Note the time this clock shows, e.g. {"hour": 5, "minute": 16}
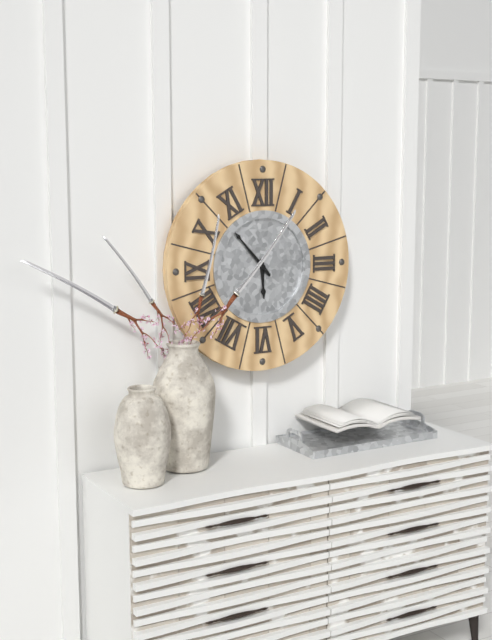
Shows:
{"hour": 5, "minute": 53}
